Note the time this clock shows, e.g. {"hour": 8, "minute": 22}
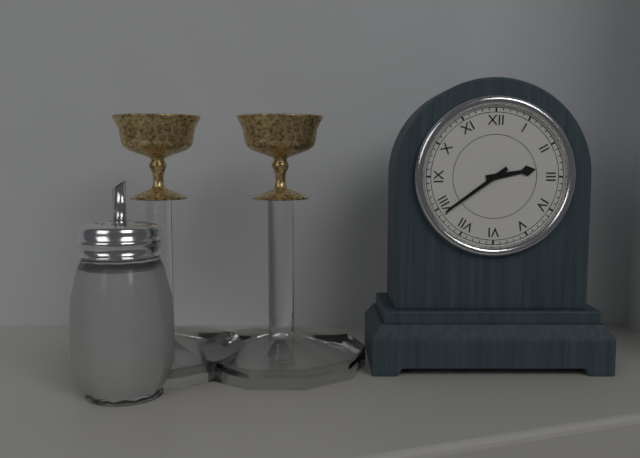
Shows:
{"hour": 2, "minute": 39}
